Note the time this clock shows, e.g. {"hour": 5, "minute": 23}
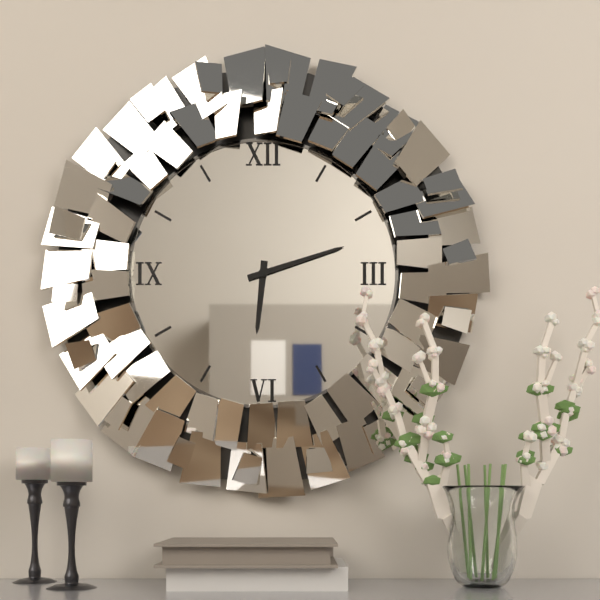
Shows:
{"hour": 6, "minute": 12}
